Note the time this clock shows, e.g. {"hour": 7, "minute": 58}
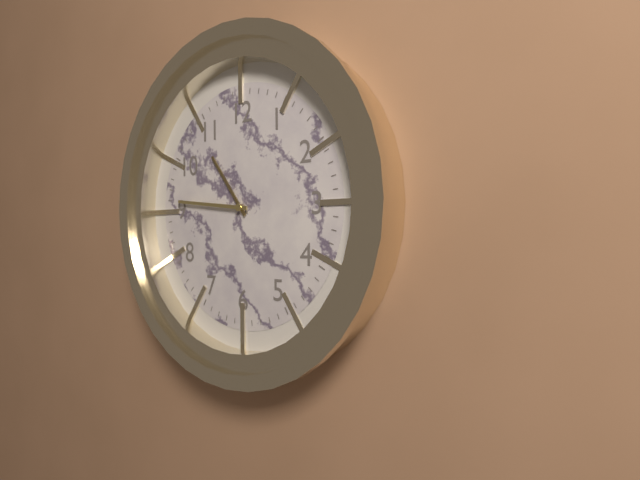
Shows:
{"hour": 10, "minute": 46}
